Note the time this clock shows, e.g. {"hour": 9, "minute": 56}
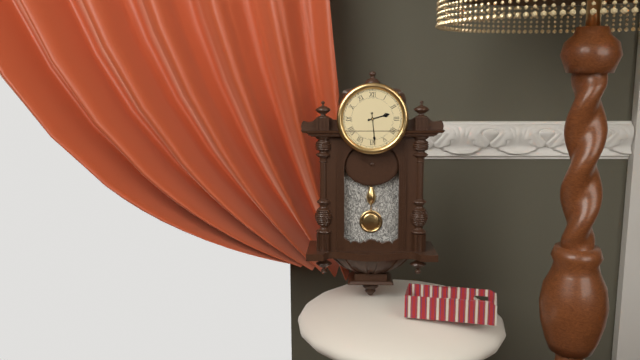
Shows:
{"hour": 2, "minute": 29}
